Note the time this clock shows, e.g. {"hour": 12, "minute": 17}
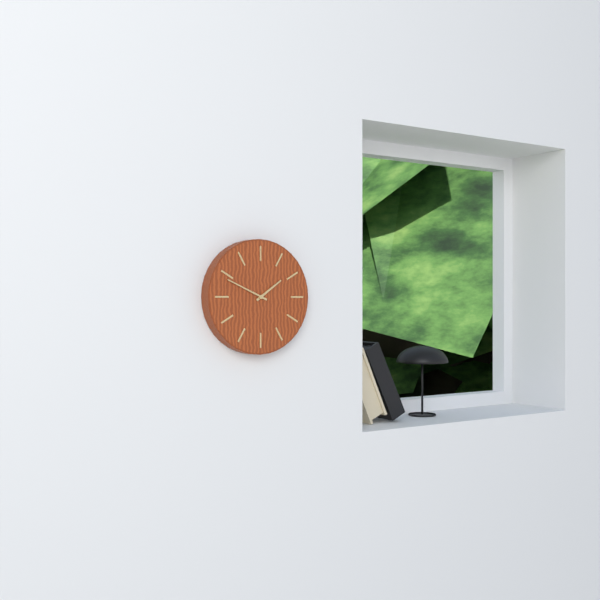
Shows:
{"hour": 1, "minute": 49}
